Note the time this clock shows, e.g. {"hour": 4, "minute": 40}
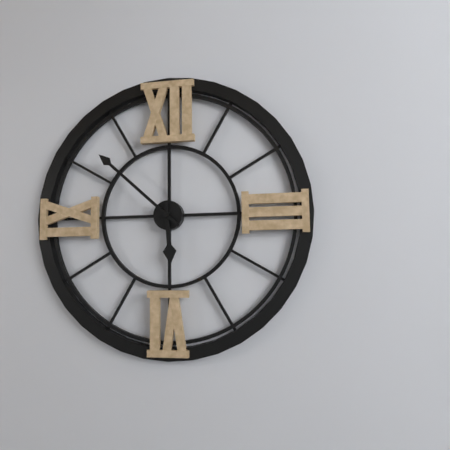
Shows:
{"hour": 5, "minute": 52}
